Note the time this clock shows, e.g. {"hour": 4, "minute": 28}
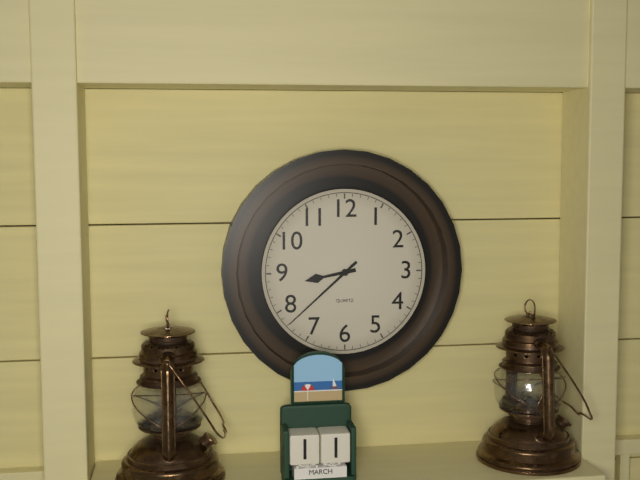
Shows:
{"hour": 8, "minute": 38}
